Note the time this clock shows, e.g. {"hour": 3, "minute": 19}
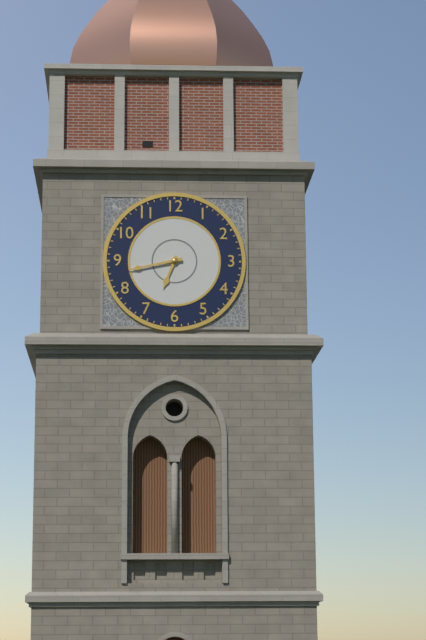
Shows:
{"hour": 6, "minute": 43}
